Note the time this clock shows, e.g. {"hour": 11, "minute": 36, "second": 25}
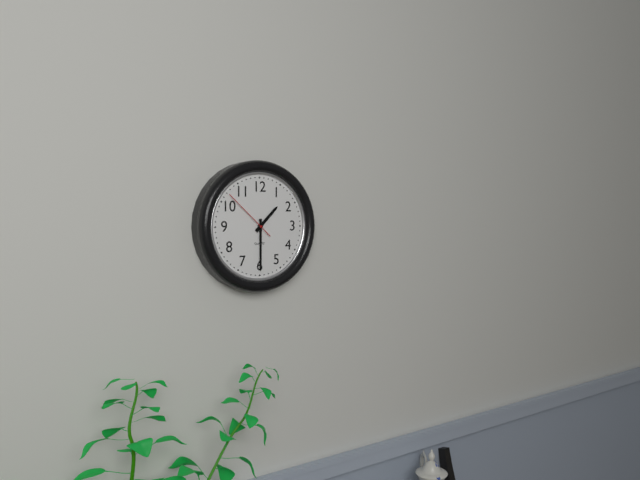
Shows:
{"hour": 1, "minute": 30, "second": 52}
